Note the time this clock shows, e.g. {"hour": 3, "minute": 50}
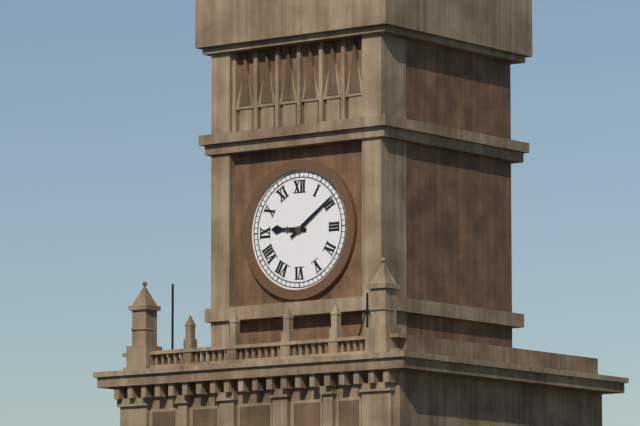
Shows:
{"hour": 9, "minute": 9}
